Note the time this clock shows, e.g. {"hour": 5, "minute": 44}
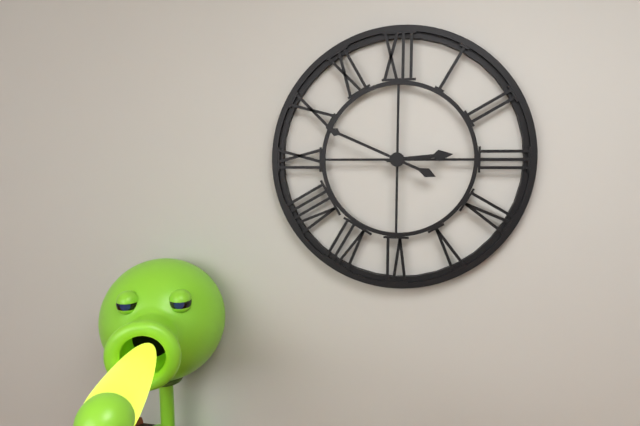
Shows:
{"hour": 2, "minute": 49}
